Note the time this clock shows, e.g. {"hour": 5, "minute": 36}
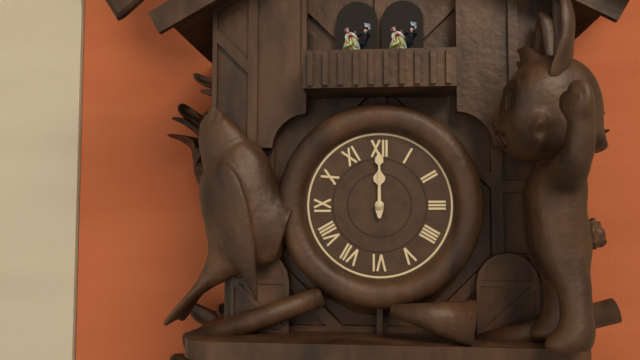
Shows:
{"hour": 12, "minute": 0}
